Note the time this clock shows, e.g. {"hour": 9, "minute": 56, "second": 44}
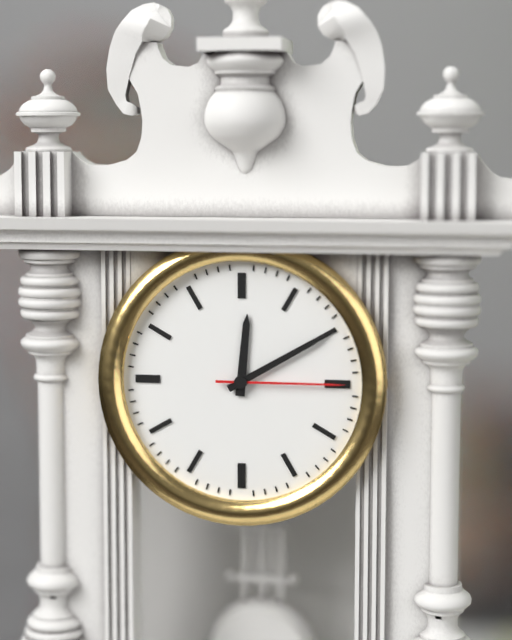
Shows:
{"hour": 12, "minute": 10, "second": 15}
